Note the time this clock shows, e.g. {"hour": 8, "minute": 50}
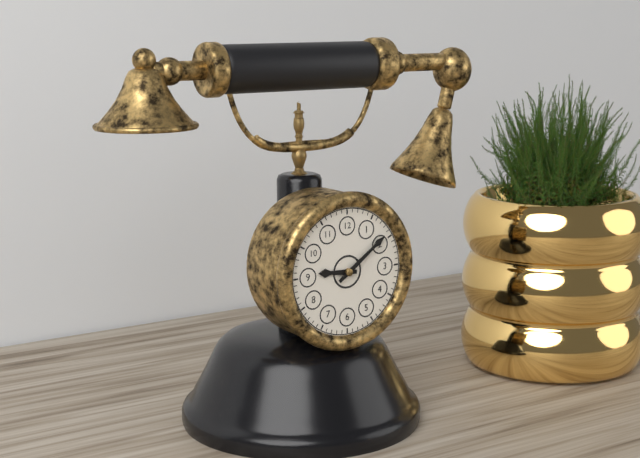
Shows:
{"hour": 9, "minute": 9}
